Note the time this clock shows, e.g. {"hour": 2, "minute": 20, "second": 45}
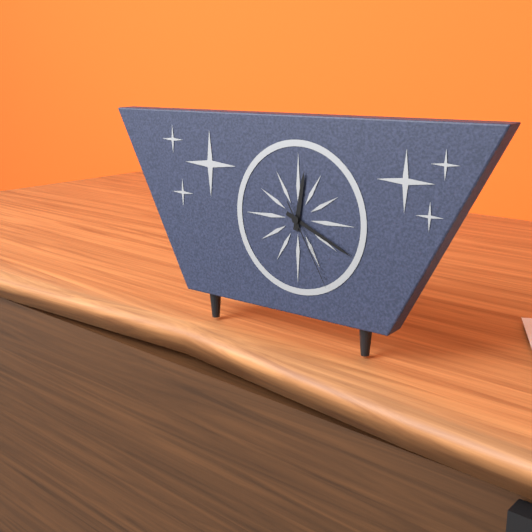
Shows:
{"hour": 12, "minute": 19, "second": 25}
